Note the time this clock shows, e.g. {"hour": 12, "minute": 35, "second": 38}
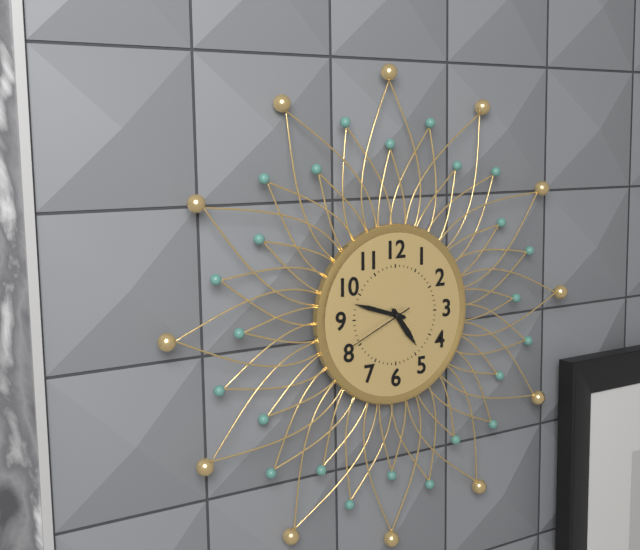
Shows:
{"hour": 4, "minute": 48, "second": 41}
